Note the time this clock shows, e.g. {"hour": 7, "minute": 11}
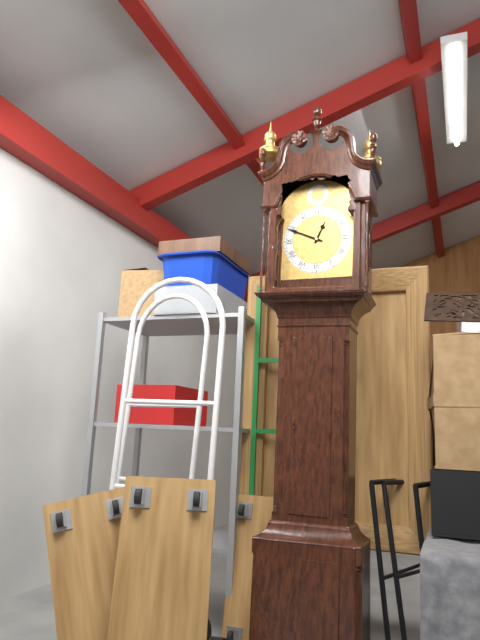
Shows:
{"hour": 12, "minute": 49}
